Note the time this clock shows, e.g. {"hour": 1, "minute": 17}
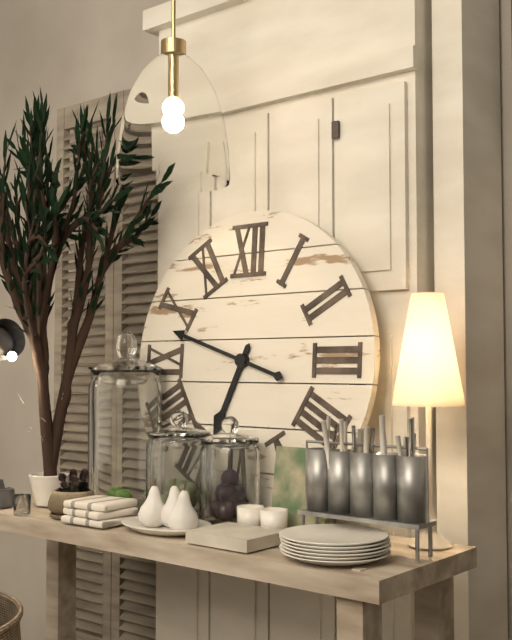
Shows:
{"hour": 6, "minute": 48}
